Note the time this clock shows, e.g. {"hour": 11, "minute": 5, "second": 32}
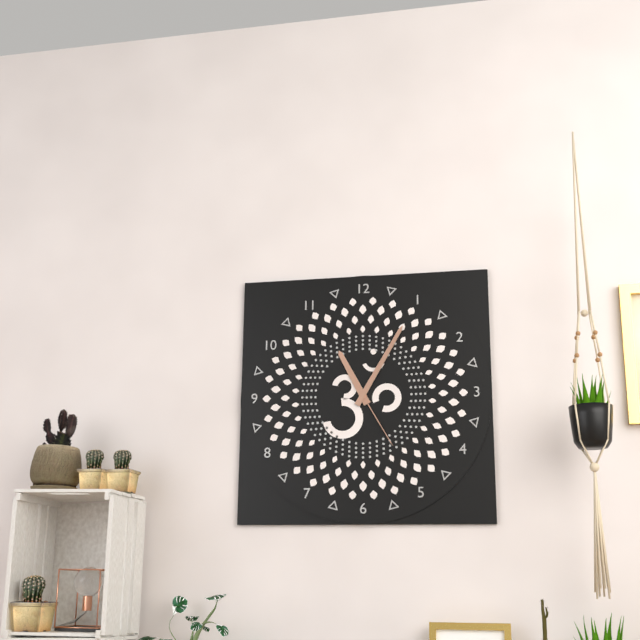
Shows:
{"hour": 11, "minute": 5, "second": 25}
